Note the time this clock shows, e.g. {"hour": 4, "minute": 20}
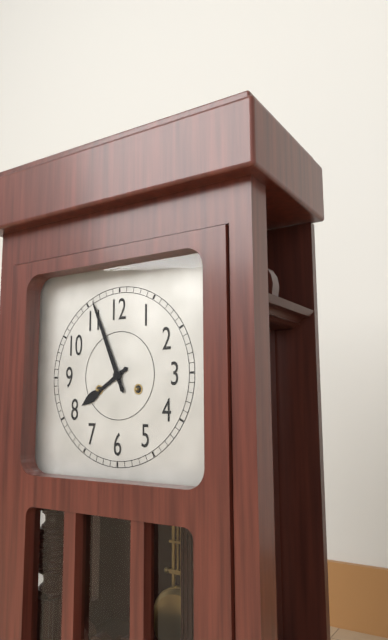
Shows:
{"hour": 7, "minute": 56}
